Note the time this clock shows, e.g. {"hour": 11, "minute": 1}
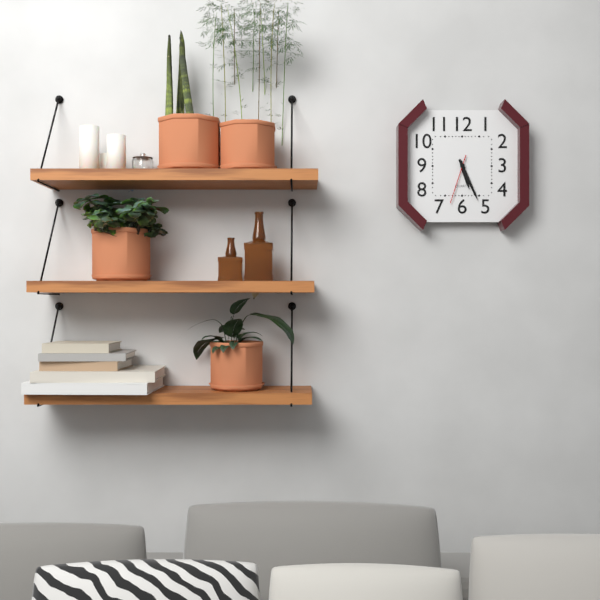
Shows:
{"hour": 5, "minute": 26}
